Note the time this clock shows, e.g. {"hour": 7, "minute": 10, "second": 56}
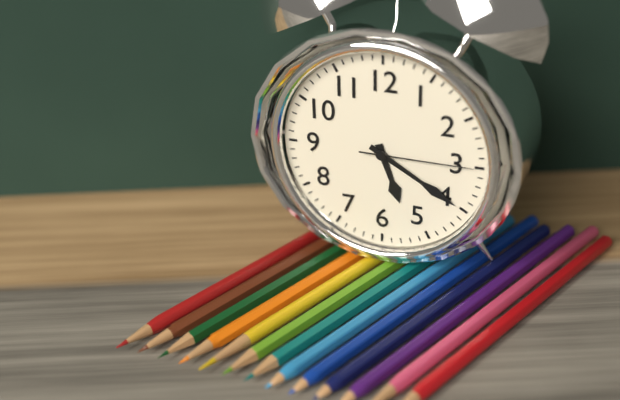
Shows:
{"hour": 5, "minute": 20, "second": 15}
